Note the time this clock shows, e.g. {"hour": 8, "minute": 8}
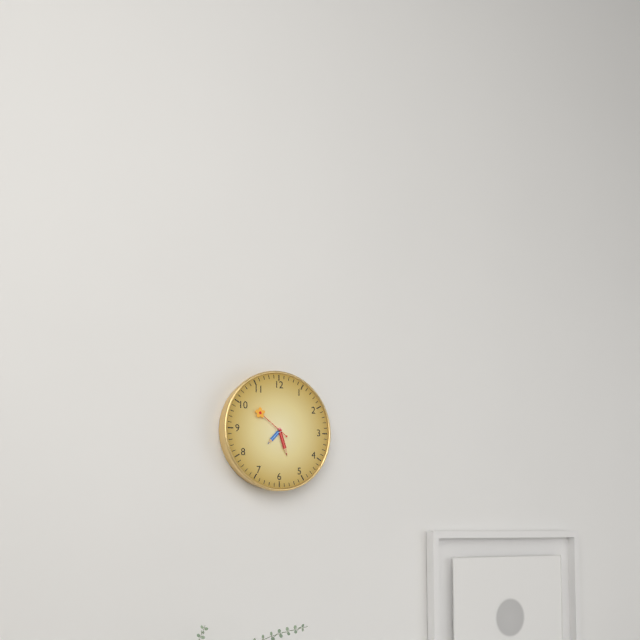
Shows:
{"hour": 7, "minute": 27}
